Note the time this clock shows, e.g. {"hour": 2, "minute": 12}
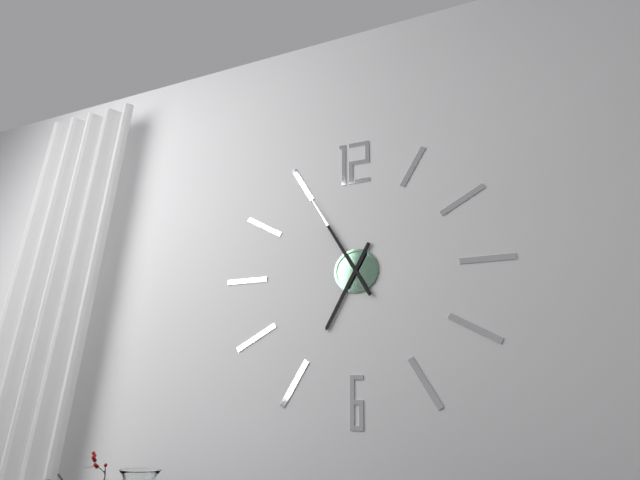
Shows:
{"hour": 6, "minute": 55}
